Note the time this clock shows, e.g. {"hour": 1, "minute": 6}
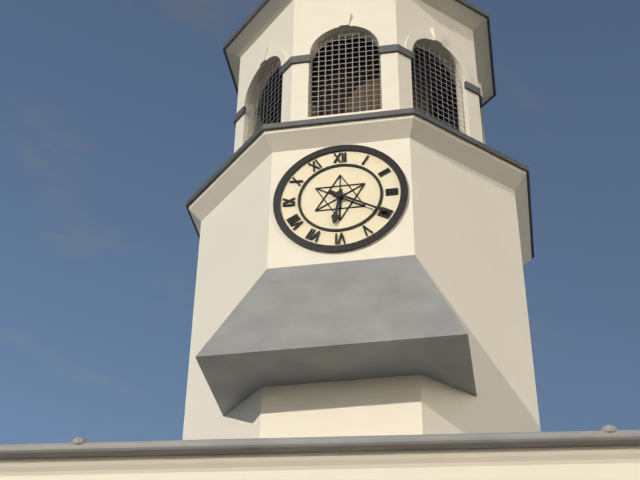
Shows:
{"hour": 6, "minute": 20}
